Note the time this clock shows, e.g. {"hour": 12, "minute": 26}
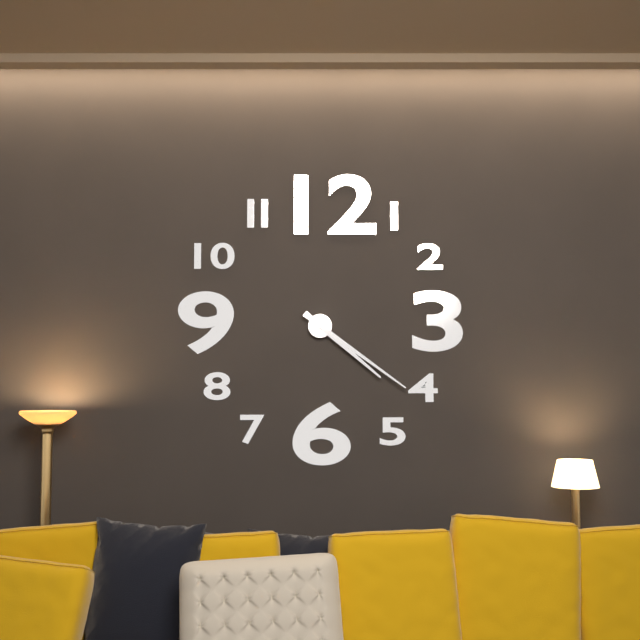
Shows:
{"hour": 4, "minute": 21}
